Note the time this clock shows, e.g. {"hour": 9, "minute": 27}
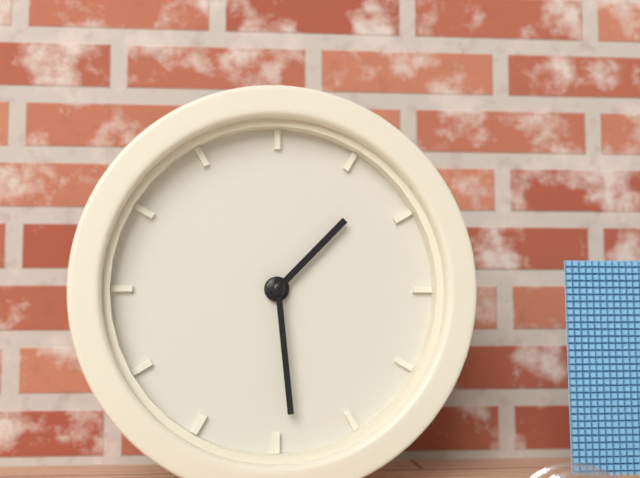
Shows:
{"hour": 1, "minute": 29}
